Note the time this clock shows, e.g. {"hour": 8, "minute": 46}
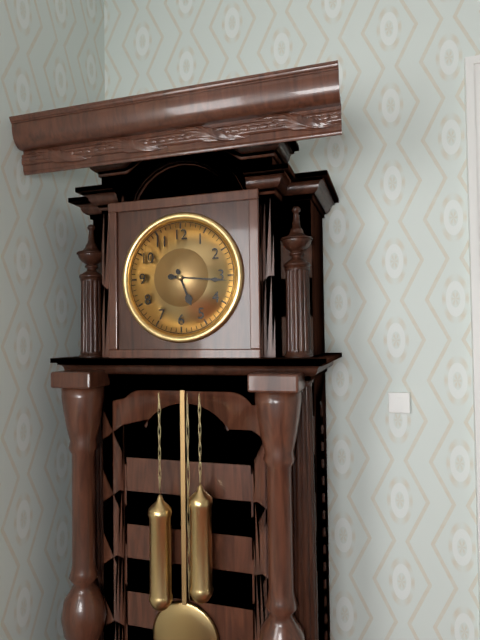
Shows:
{"hour": 5, "minute": 16}
